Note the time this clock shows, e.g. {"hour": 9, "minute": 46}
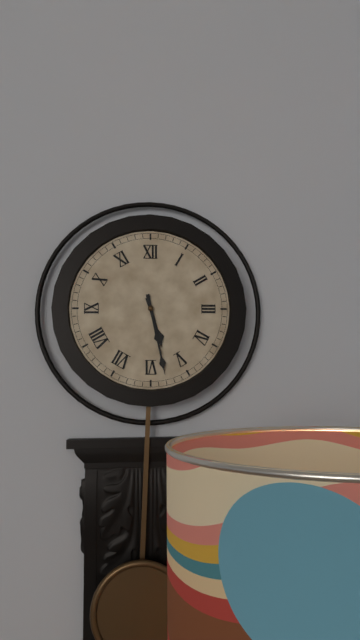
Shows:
{"hour": 5, "minute": 28}
